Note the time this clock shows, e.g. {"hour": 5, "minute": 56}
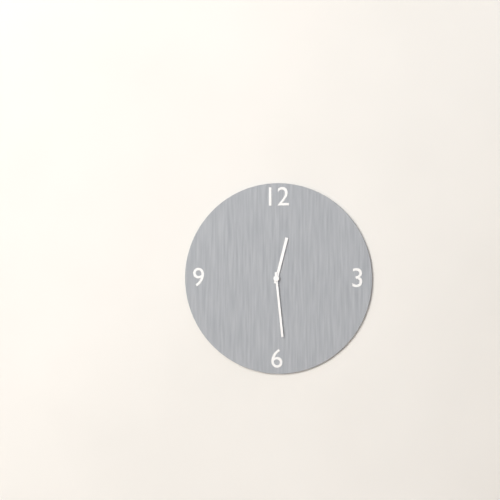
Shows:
{"hour": 12, "minute": 29}
